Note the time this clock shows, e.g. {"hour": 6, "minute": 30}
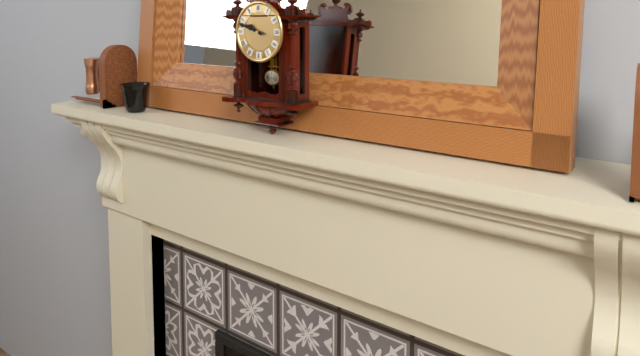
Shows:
{"hour": 9, "minute": 48}
